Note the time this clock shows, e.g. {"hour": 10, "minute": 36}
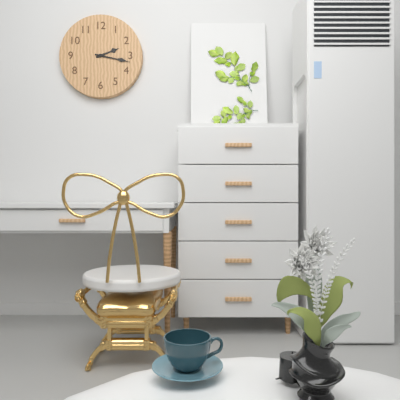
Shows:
{"hour": 2, "minute": 17}
